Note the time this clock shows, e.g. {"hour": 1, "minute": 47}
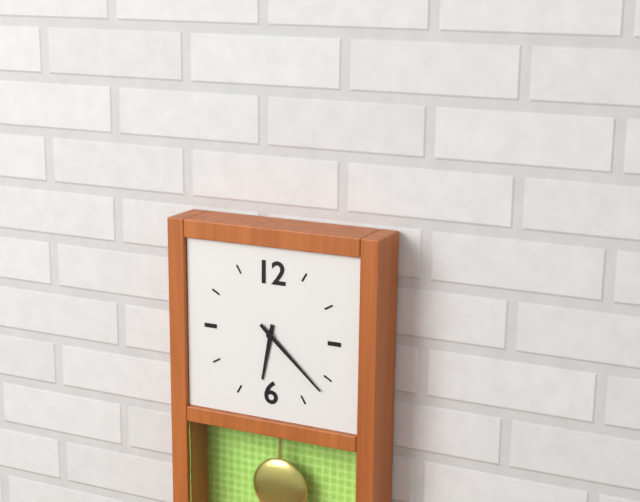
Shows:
{"hour": 6, "minute": 22}
